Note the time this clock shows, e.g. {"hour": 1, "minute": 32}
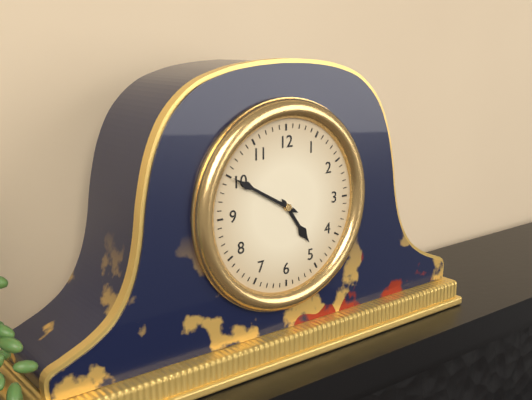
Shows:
{"hour": 4, "minute": 50}
